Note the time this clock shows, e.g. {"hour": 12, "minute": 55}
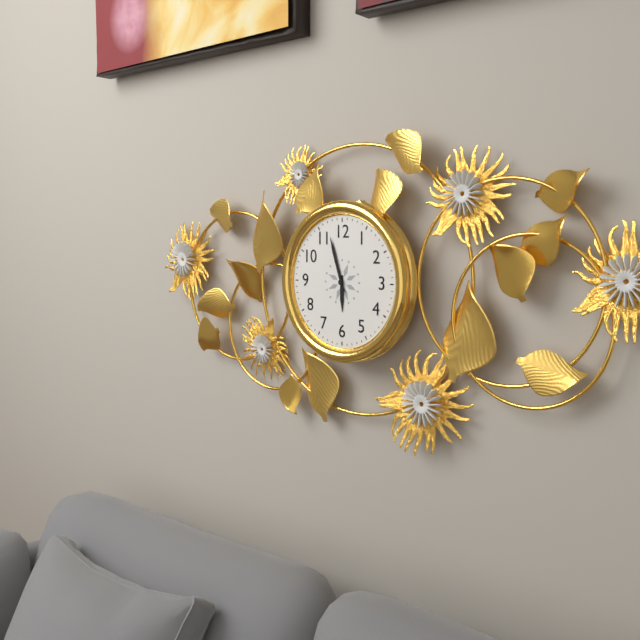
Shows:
{"hour": 5, "minute": 57}
